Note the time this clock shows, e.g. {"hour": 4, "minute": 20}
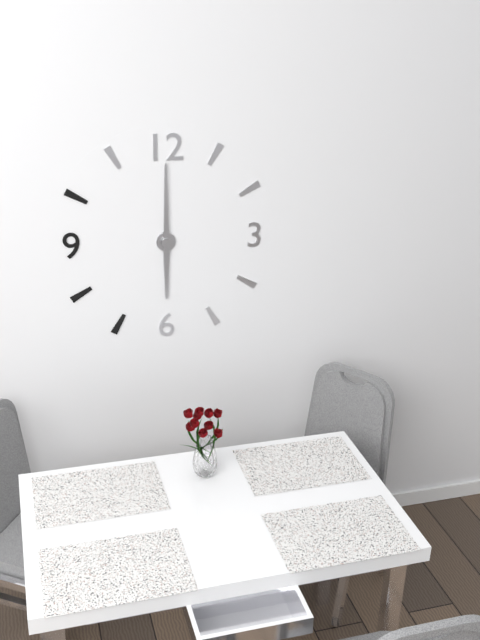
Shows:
{"hour": 6, "minute": 0}
